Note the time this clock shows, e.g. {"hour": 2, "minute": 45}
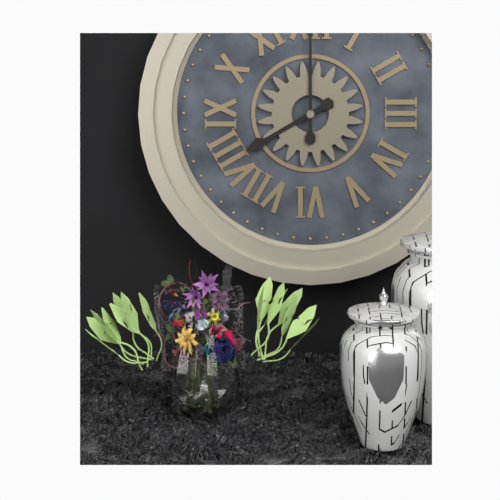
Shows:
{"hour": 8, "minute": 0}
